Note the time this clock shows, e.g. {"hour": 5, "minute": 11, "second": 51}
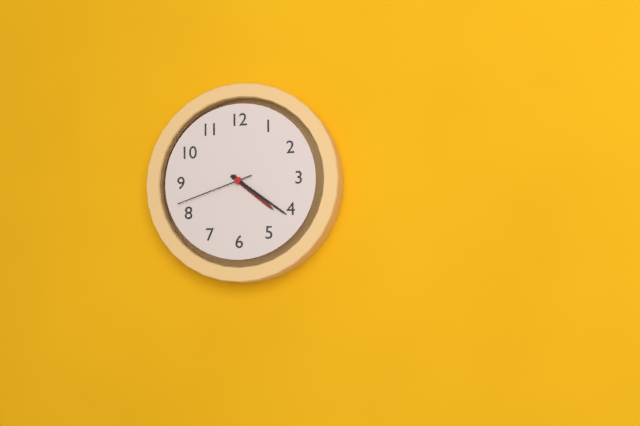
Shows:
{"hour": 4, "minute": 21, "second": 42}
